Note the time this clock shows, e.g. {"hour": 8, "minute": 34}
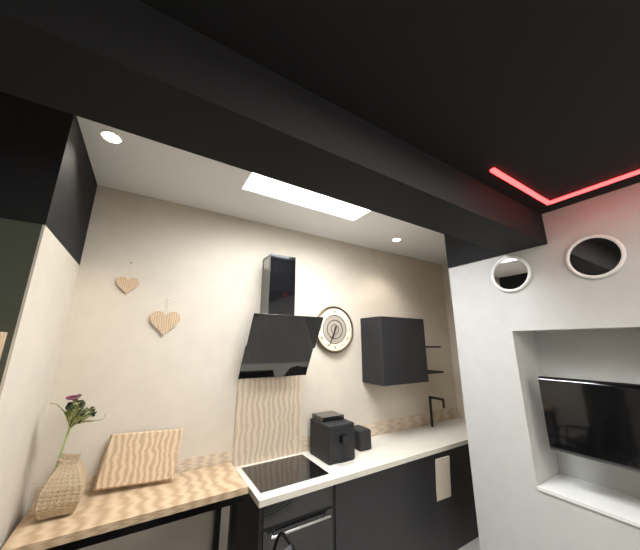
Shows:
{"hour": 6, "minute": 34}
